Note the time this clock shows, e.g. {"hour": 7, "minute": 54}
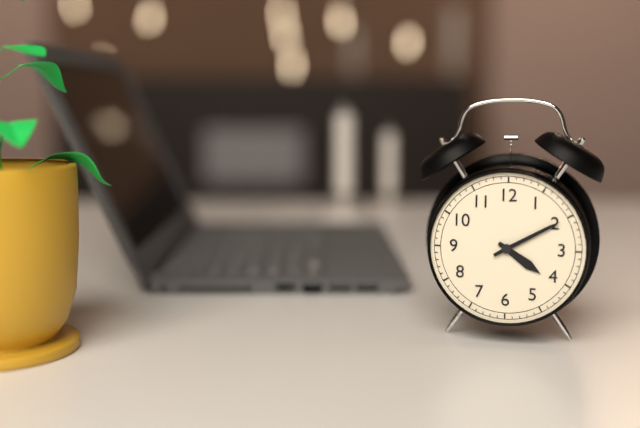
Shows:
{"hour": 4, "minute": 10}
